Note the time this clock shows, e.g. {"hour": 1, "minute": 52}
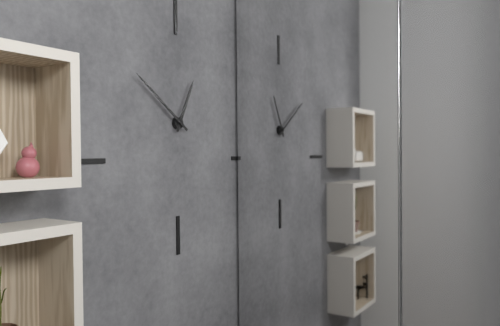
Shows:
{"hour": 12, "minute": 51}
